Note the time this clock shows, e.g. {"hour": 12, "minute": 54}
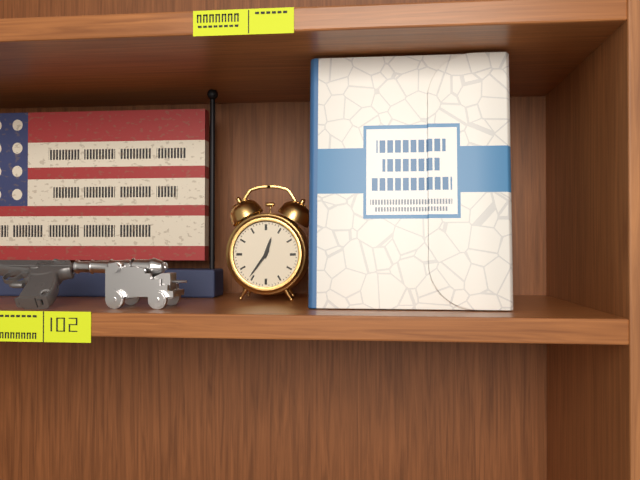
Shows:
{"hour": 12, "minute": 36}
